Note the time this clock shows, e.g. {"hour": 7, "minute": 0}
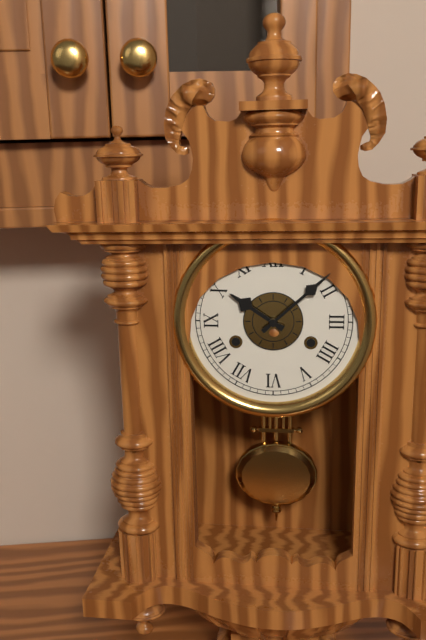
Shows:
{"hour": 10, "minute": 8}
